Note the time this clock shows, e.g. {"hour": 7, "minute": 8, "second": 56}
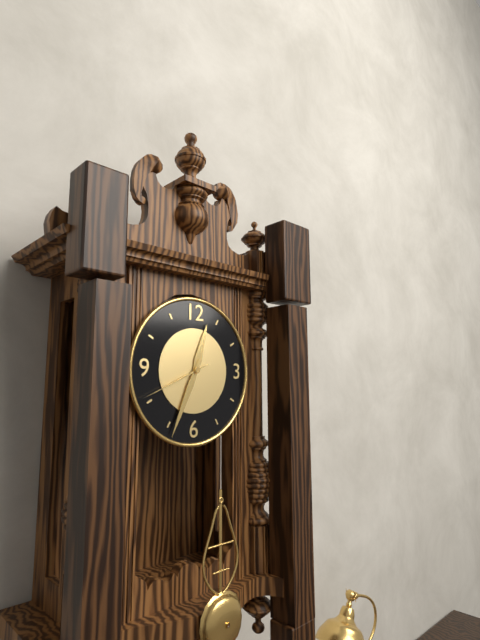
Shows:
{"hour": 12, "minute": 34, "second": 41}
